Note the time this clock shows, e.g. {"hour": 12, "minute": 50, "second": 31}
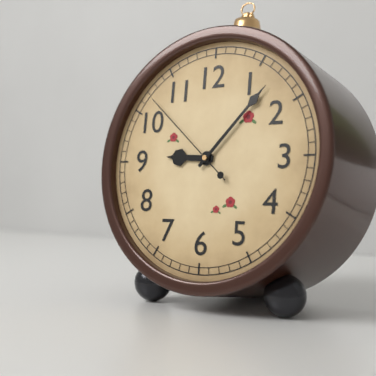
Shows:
{"hour": 9, "minute": 7, "second": 52}
